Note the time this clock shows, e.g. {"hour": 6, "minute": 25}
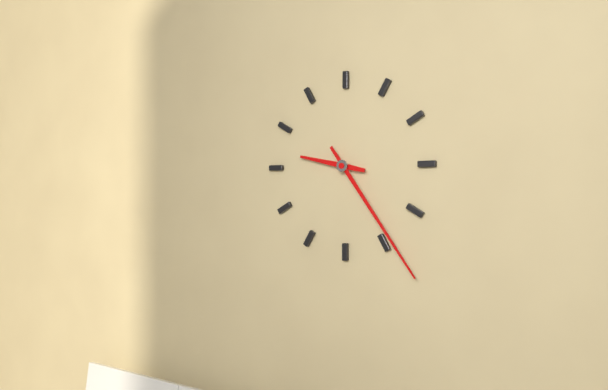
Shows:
{"hour": 9, "minute": 24}
